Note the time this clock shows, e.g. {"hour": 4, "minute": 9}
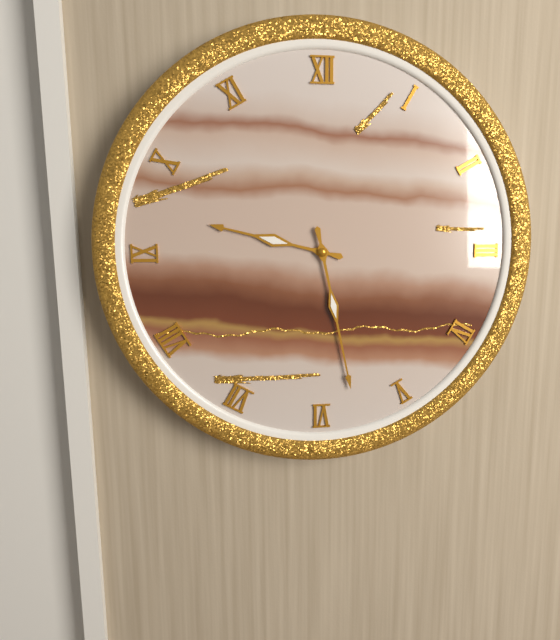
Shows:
{"hour": 9, "minute": 28}
